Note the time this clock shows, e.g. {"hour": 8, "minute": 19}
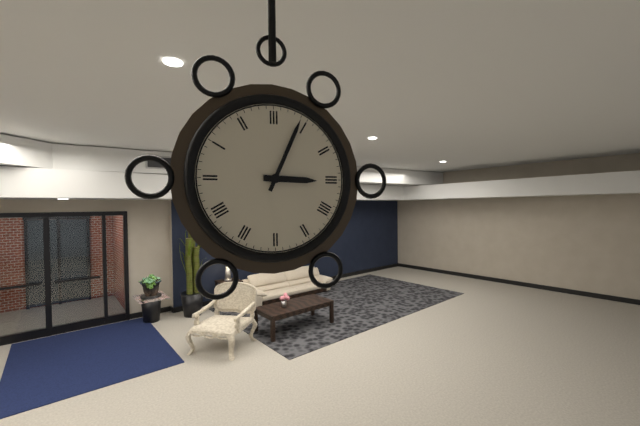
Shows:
{"hour": 3, "minute": 4}
